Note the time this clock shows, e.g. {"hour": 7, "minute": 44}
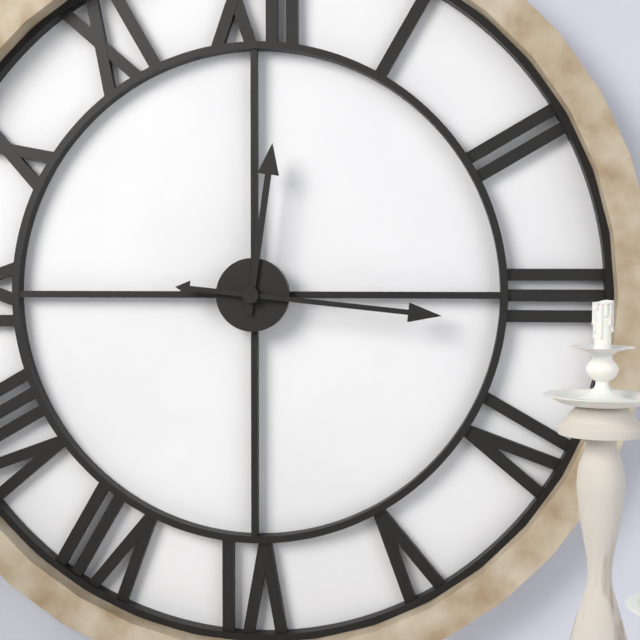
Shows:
{"hour": 12, "minute": 16}
